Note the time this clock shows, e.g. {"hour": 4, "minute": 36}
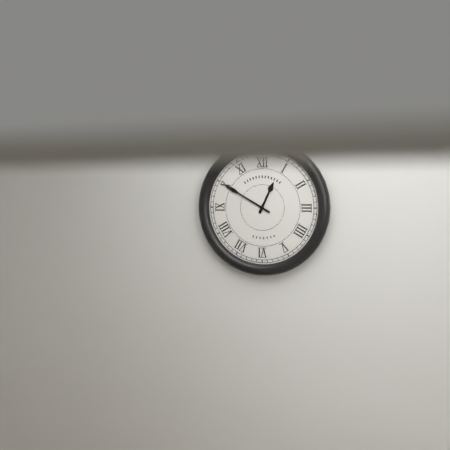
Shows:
{"hour": 12, "minute": 50}
